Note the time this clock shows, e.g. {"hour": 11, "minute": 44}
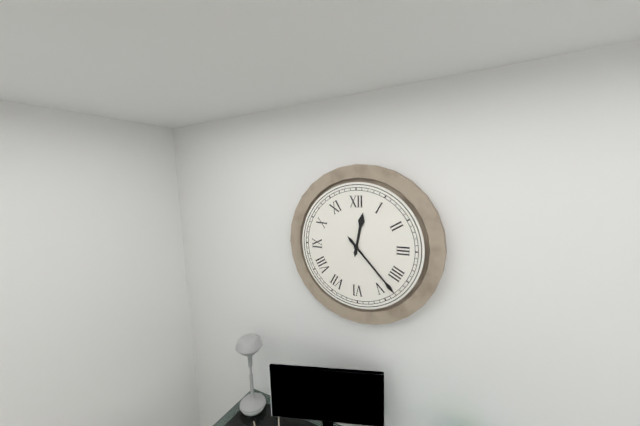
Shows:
{"hour": 12, "minute": 23}
